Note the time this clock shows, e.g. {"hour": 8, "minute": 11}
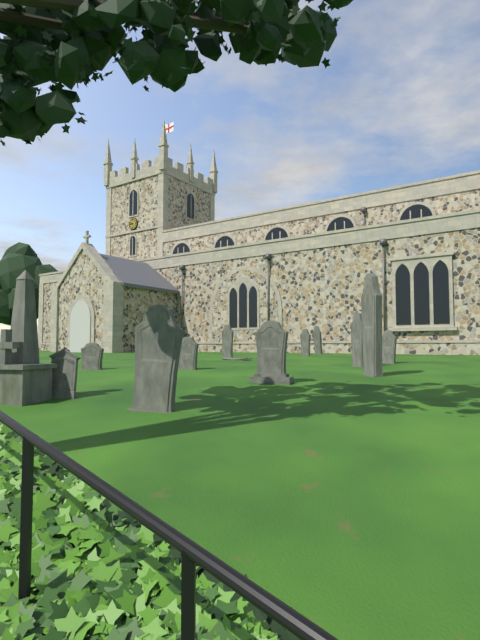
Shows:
{"hour": 8, "minute": 49}
